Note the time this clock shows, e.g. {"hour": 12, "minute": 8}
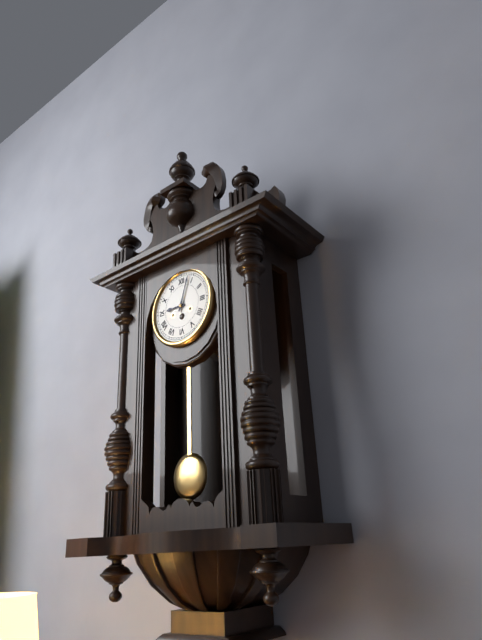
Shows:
{"hour": 9, "minute": 3}
